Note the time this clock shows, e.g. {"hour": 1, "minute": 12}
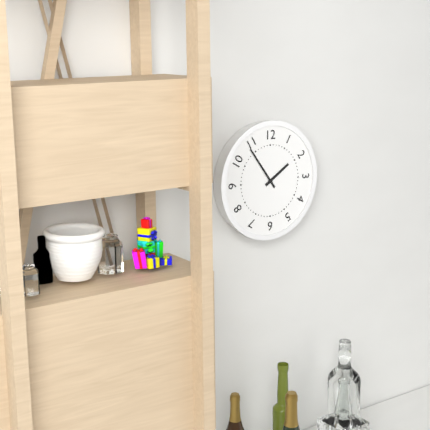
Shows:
{"hour": 1, "minute": 54}
